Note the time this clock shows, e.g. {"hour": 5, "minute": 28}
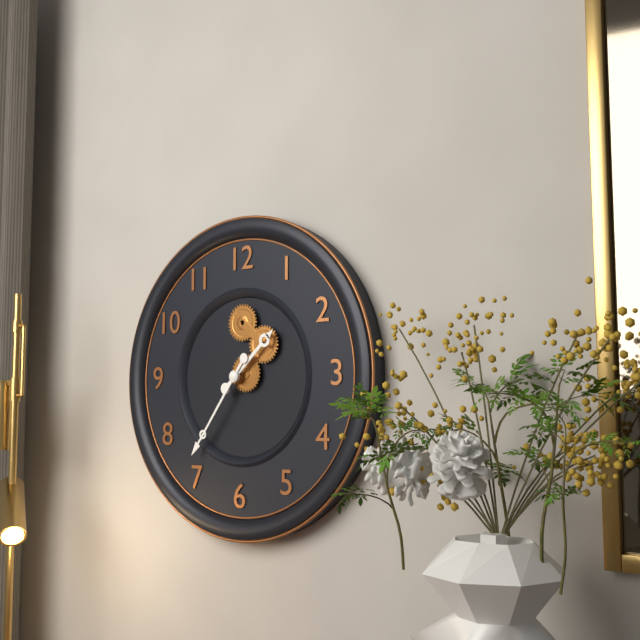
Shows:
{"hour": 1, "minute": 36}
